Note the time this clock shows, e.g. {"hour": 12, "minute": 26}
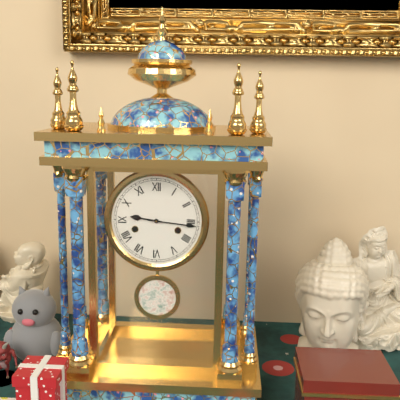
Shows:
{"hour": 9, "minute": 16}
